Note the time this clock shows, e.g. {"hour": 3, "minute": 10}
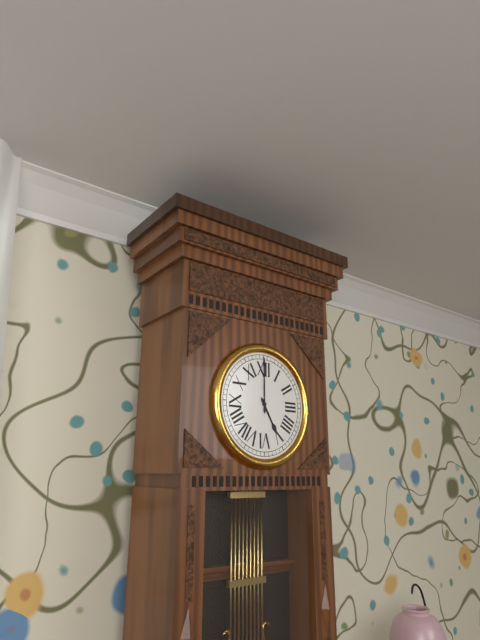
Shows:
{"hour": 5, "minute": 0}
